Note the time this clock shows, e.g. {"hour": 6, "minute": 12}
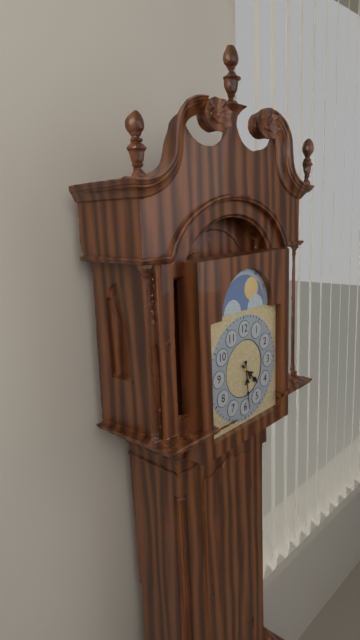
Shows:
{"hour": 4, "minute": 29}
